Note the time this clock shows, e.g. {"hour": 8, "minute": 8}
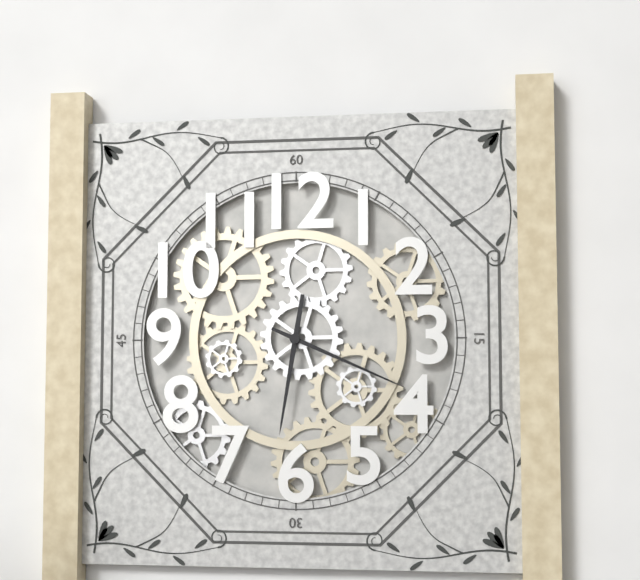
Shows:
{"hour": 6, "minute": 19}
